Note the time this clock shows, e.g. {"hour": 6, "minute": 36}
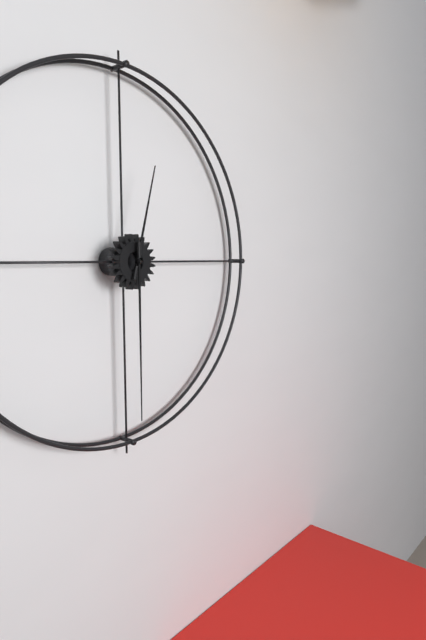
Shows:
{"hour": 12, "minute": 30}
